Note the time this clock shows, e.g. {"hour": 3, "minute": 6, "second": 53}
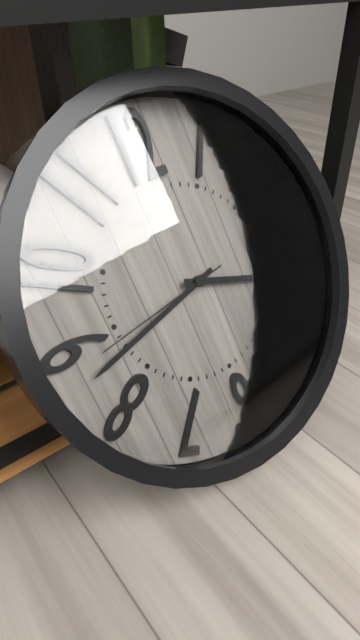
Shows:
{"hour": 3, "minute": 43, "second": 44}
